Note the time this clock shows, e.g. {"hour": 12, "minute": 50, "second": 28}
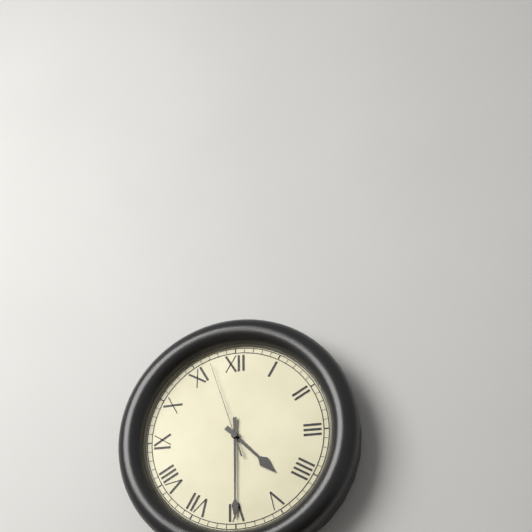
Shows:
{"hour": 4, "minute": 30, "second": 57}
